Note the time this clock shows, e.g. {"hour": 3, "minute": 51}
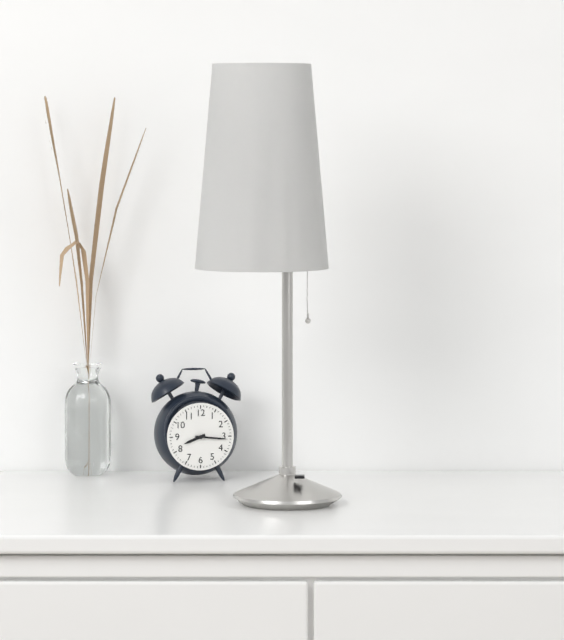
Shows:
{"hour": 8, "minute": 16}
